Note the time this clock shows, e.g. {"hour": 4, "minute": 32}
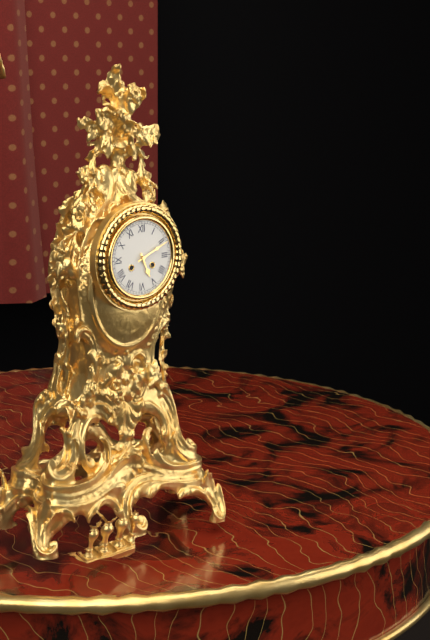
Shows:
{"hour": 5, "minute": 11}
